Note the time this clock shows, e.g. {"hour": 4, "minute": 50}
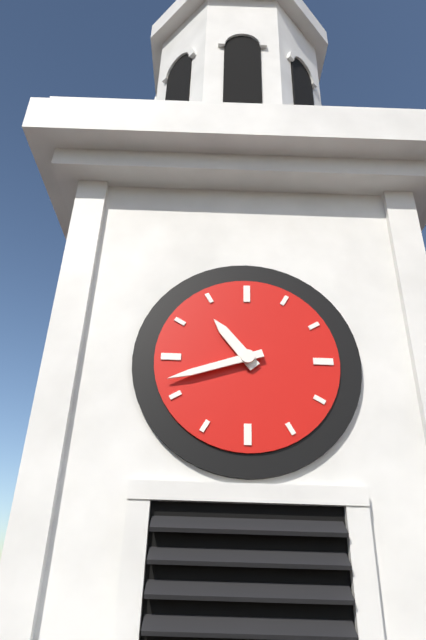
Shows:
{"hour": 10, "minute": 42}
